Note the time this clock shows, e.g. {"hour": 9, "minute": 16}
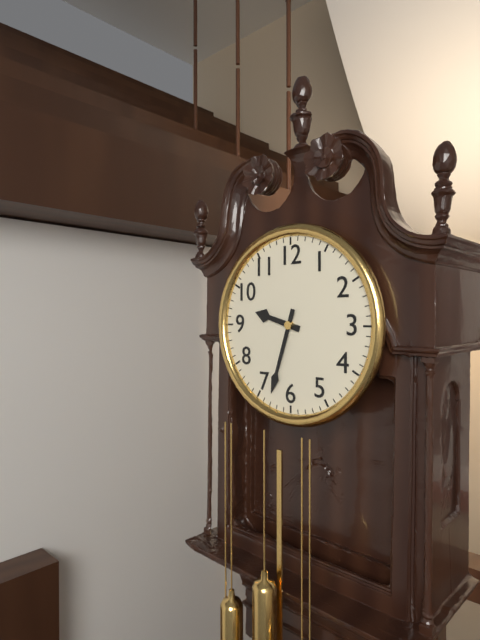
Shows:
{"hour": 9, "minute": 33}
